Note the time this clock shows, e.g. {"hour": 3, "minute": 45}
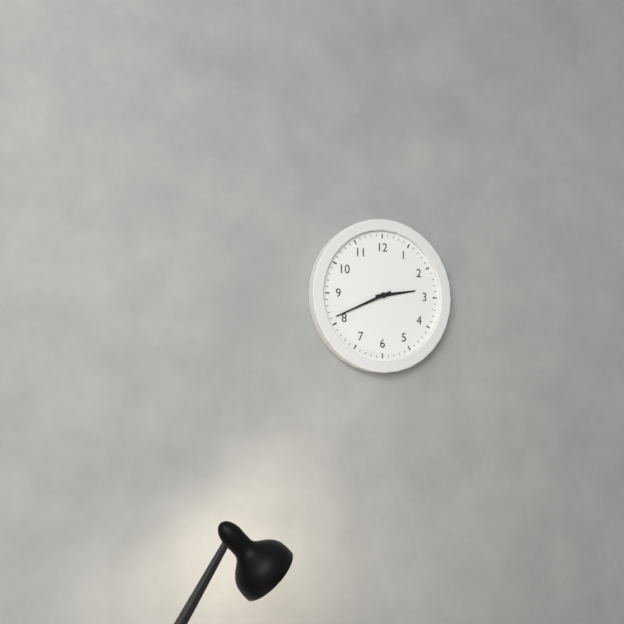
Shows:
{"hour": 2, "minute": 41}
